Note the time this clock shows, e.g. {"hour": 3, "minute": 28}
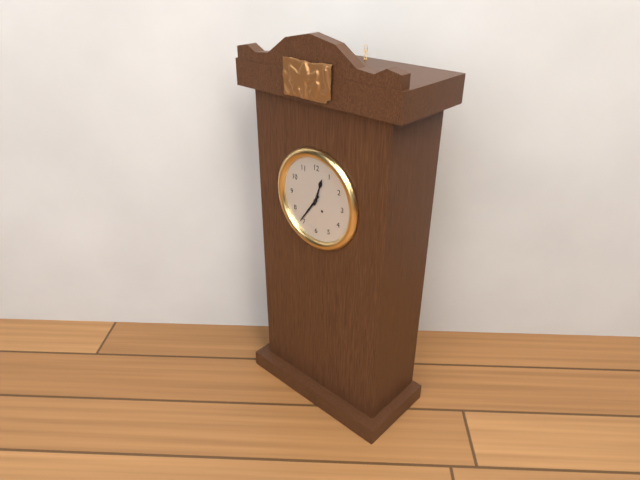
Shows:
{"hour": 12, "minute": 36}
